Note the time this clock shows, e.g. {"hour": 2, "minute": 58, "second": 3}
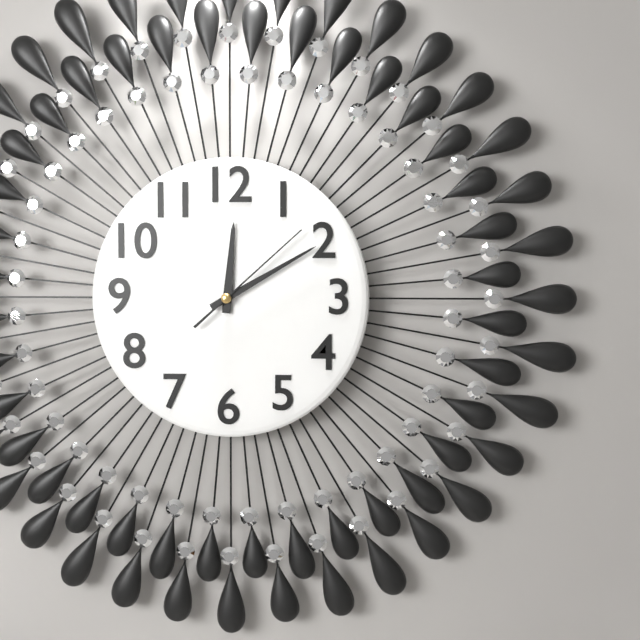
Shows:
{"hour": 12, "minute": 10, "second": 8}
